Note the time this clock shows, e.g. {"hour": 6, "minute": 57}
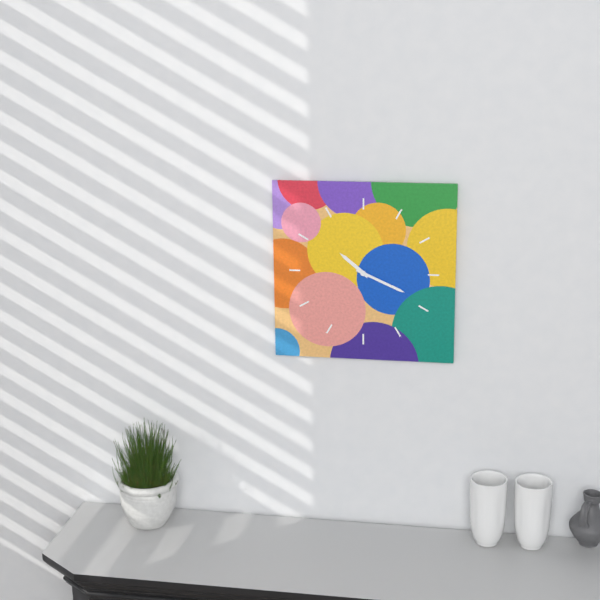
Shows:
{"hour": 10, "minute": 19}
